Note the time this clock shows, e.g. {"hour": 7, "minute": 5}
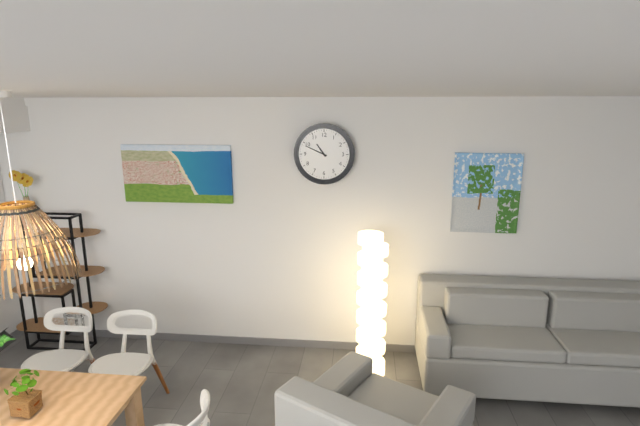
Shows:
{"hour": 10, "minute": 49}
